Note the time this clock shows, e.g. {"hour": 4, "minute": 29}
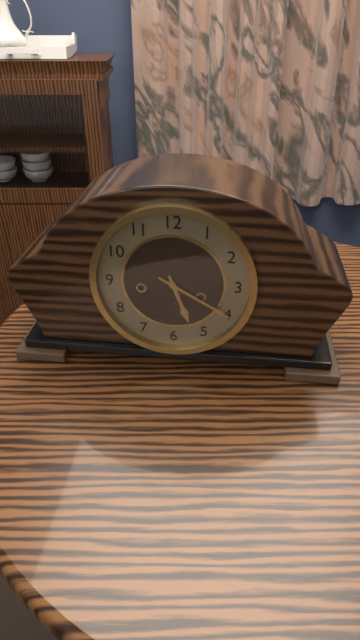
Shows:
{"hour": 5, "minute": 20}
